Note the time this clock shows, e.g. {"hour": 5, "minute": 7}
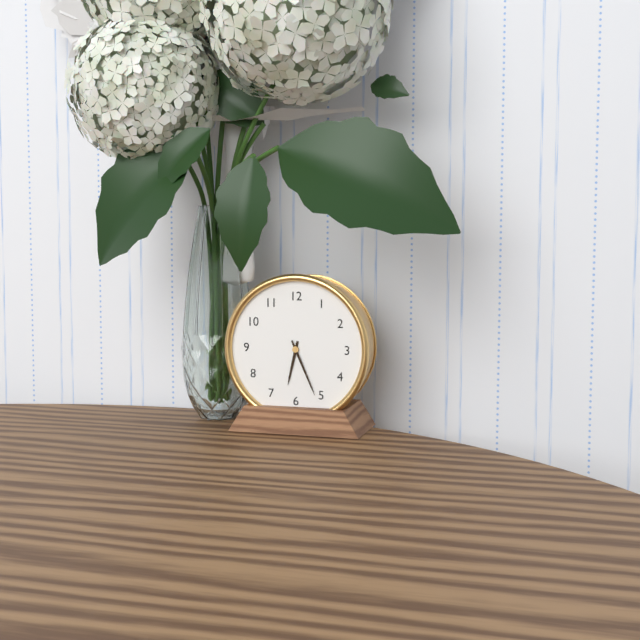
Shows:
{"hour": 6, "minute": 26}
